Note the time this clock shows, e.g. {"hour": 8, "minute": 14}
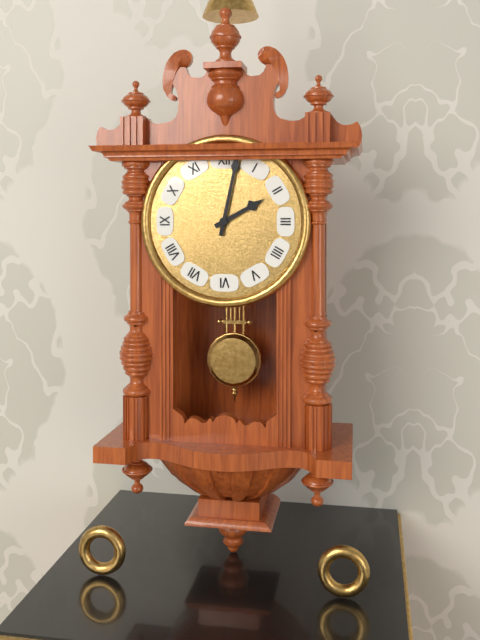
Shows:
{"hour": 2, "minute": 2}
